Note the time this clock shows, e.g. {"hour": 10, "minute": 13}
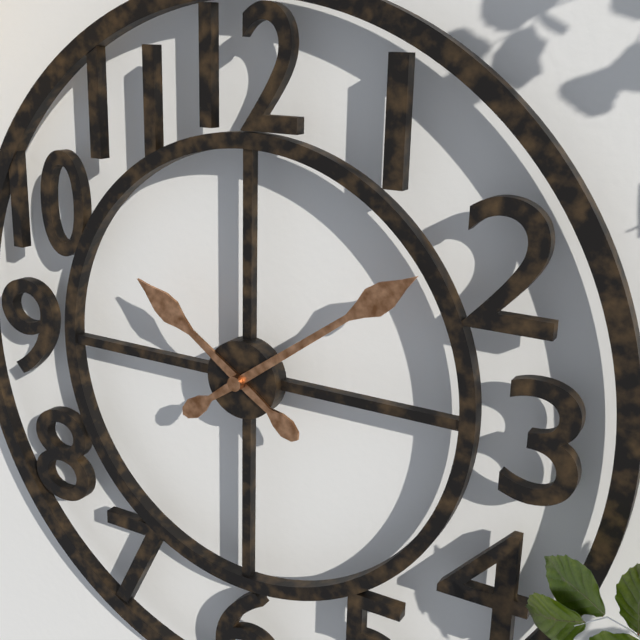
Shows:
{"hour": 10, "minute": 9}
